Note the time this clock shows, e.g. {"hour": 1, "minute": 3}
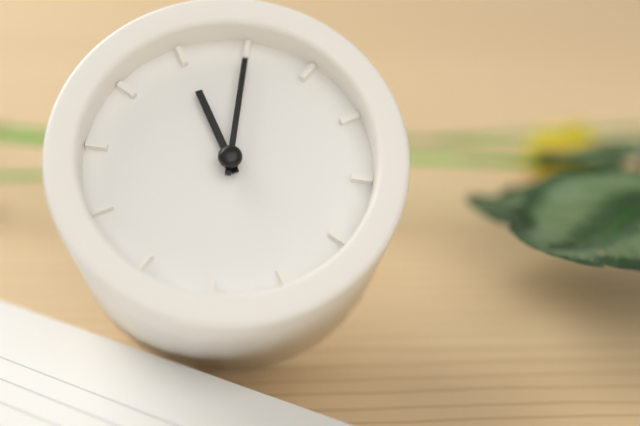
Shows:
{"hour": 11, "minute": 0}
